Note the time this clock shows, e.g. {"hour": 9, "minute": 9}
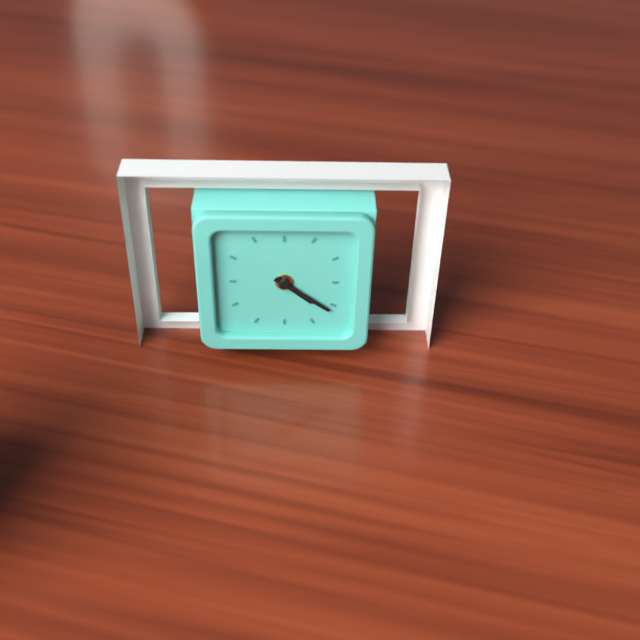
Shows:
{"hour": 4, "minute": 21}
